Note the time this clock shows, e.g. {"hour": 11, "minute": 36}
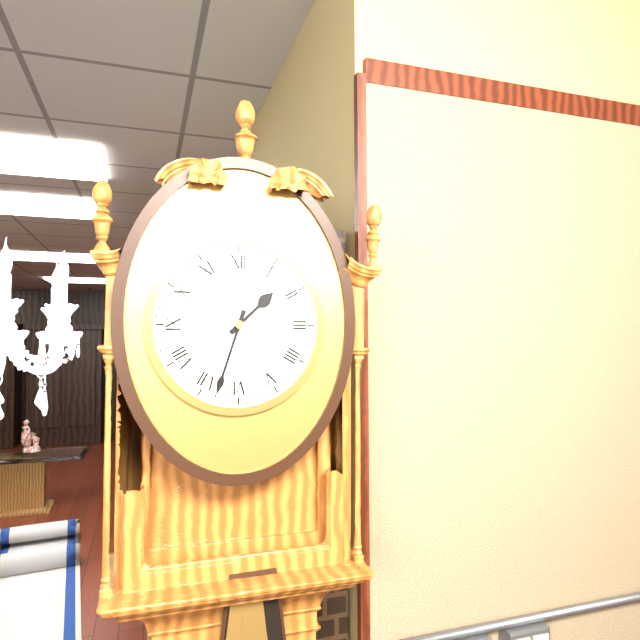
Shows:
{"hour": 1, "minute": 33}
